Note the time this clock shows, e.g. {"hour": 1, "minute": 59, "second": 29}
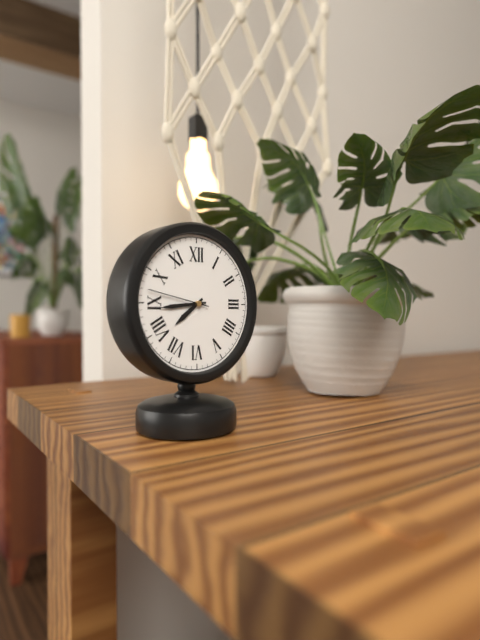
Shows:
{"hour": 7, "minute": 44, "second": 47}
